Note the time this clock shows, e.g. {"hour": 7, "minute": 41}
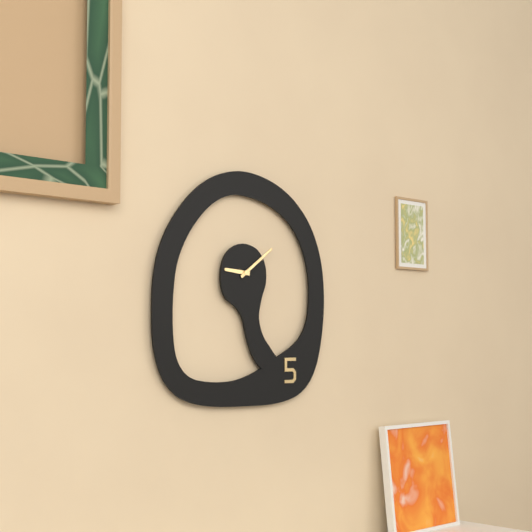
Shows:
{"hour": 9, "minute": 9}
